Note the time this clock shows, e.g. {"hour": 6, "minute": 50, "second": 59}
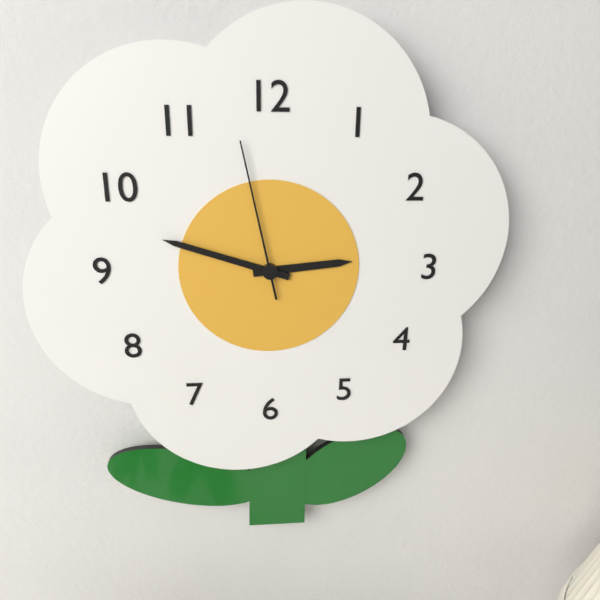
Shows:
{"hour": 2, "minute": 48, "second": 58}
